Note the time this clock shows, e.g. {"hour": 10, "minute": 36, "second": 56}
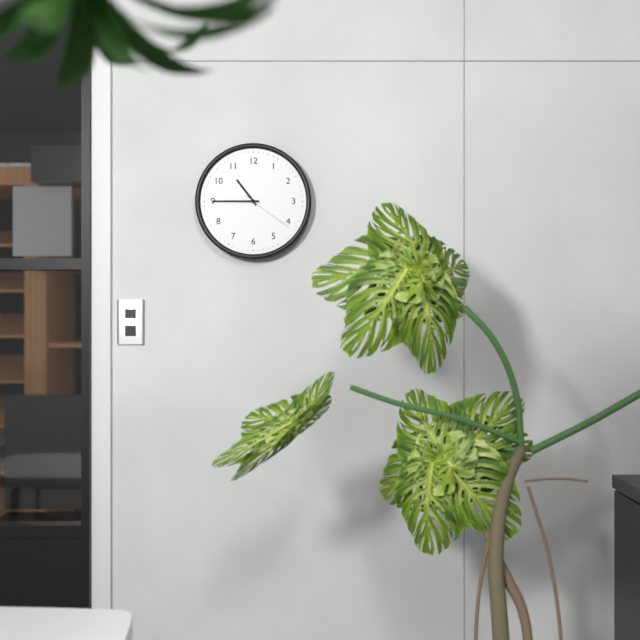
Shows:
{"hour": 10, "minute": 45, "second": 21}
